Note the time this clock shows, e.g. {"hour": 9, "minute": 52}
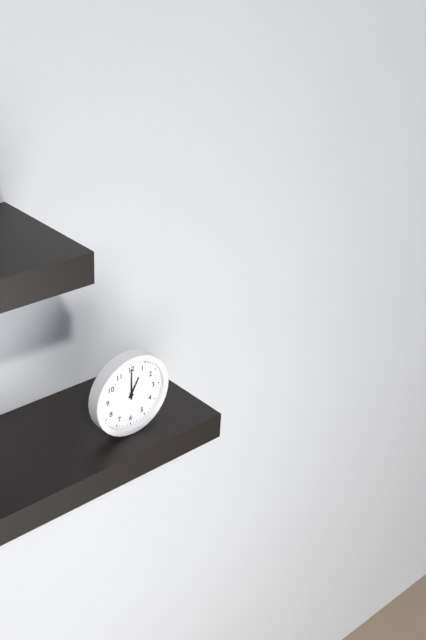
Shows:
{"hour": 1, "minute": 0}
